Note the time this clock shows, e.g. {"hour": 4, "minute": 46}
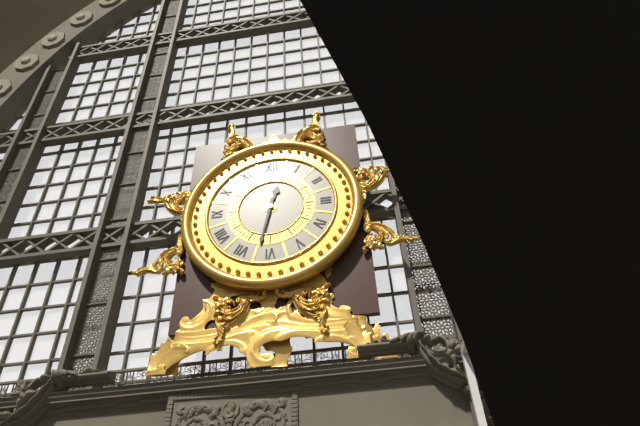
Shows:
{"hour": 12, "minute": 32}
